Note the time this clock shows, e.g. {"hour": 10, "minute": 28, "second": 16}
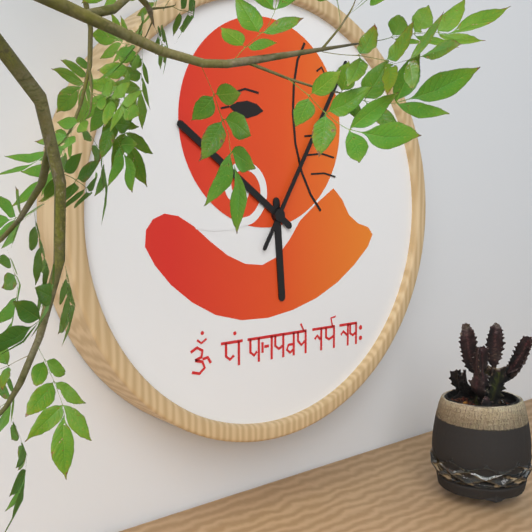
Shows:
{"hour": 5, "minute": 51, "second": 5}
